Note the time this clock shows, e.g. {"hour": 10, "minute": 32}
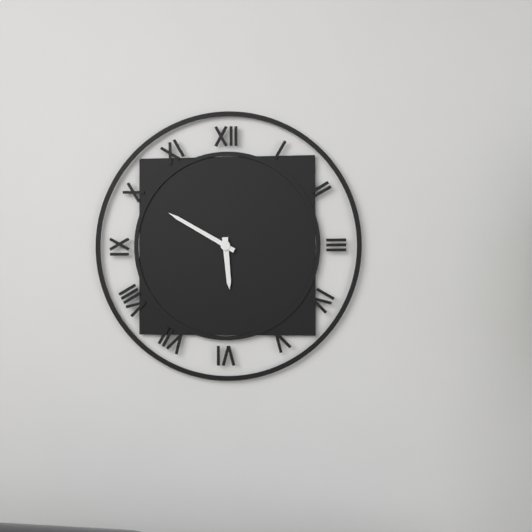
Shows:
{"hour": 5, "minute": 50}
